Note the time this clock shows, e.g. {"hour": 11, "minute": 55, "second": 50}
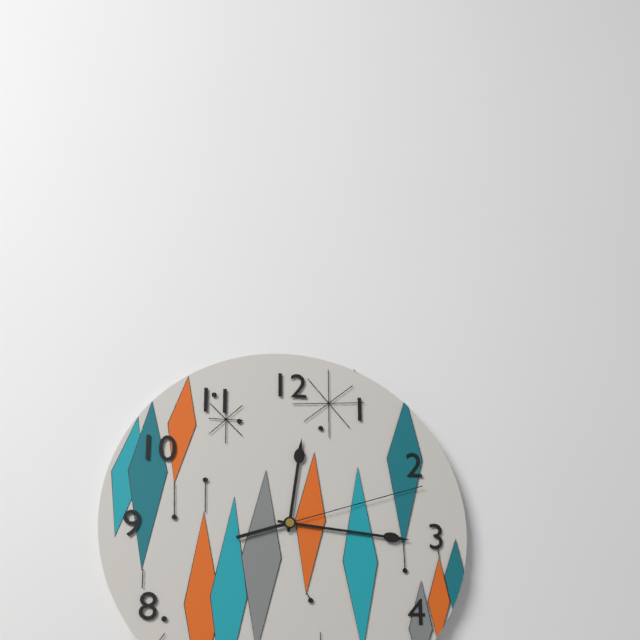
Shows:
{"hour": 12, "minute": 16, "second": 12}
